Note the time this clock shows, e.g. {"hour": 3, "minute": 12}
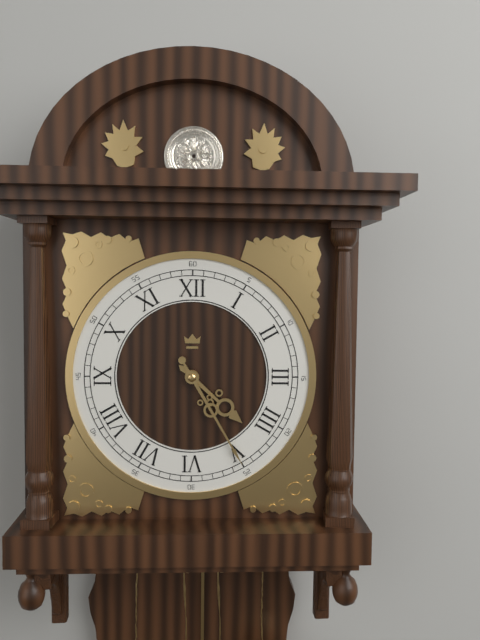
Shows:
{"hour": 4, "minute": 25}
